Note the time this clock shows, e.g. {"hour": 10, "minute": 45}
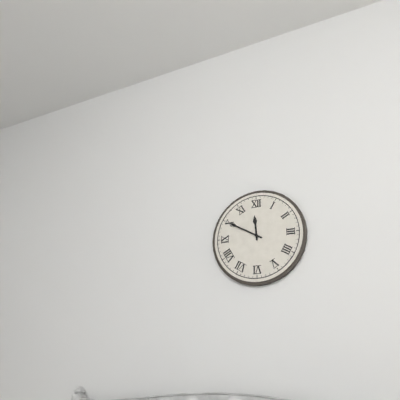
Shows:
{"hour": 11, "minute": 50}
